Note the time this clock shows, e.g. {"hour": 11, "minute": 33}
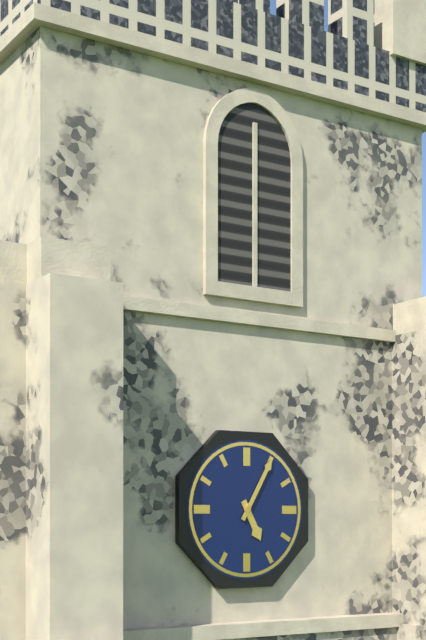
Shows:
{"hour": 5, "minute": 5}
